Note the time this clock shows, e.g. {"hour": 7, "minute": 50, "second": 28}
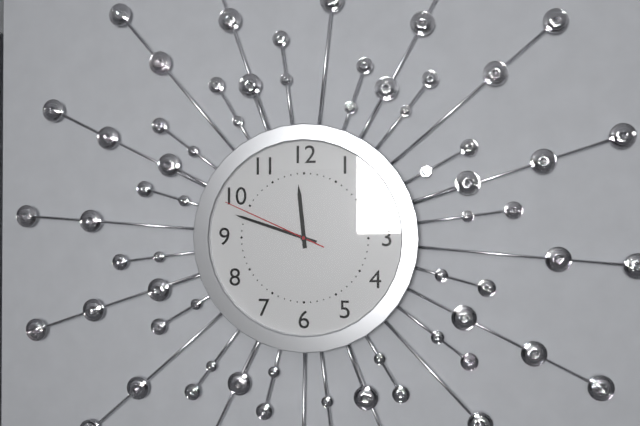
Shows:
{"hour": 11, "minute": 48, "second": 49}
